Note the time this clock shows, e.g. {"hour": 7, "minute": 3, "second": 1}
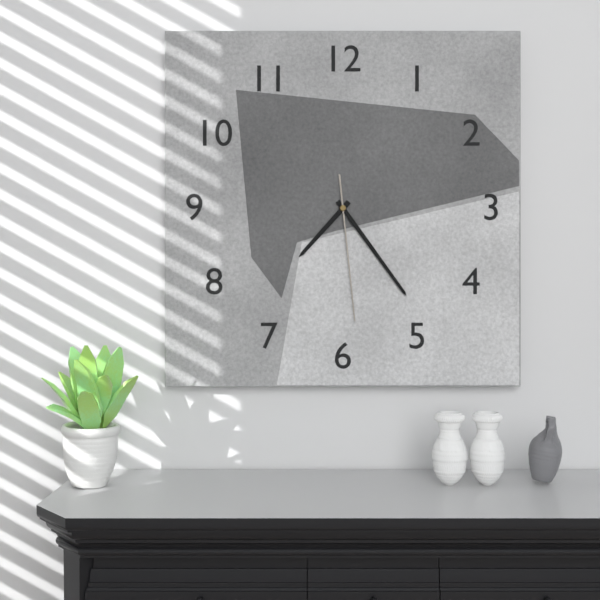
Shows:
{"hour": 7, "minute": 24, "second": 29}
